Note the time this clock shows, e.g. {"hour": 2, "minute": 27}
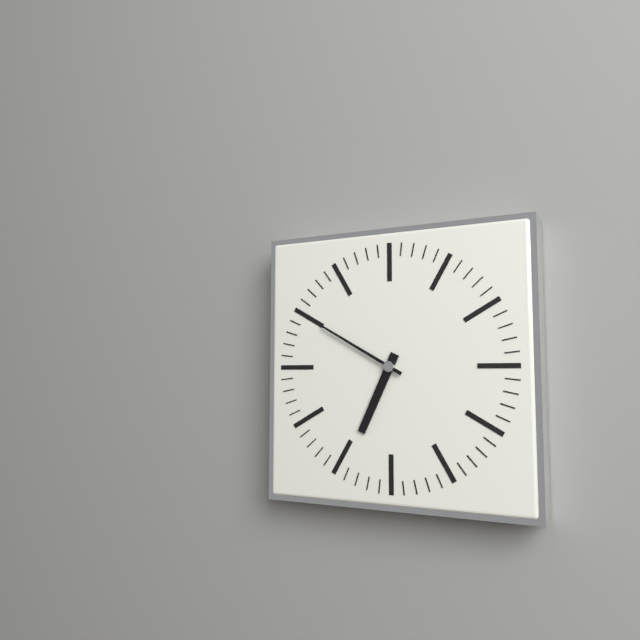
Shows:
{"hour": 6, "minute": 50}
